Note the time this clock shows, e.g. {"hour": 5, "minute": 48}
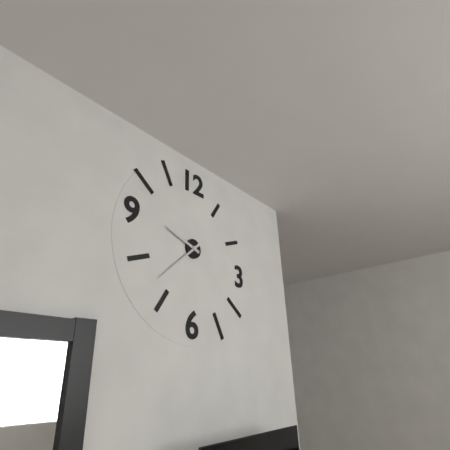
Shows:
{"hour": 9, "minute": 38}
